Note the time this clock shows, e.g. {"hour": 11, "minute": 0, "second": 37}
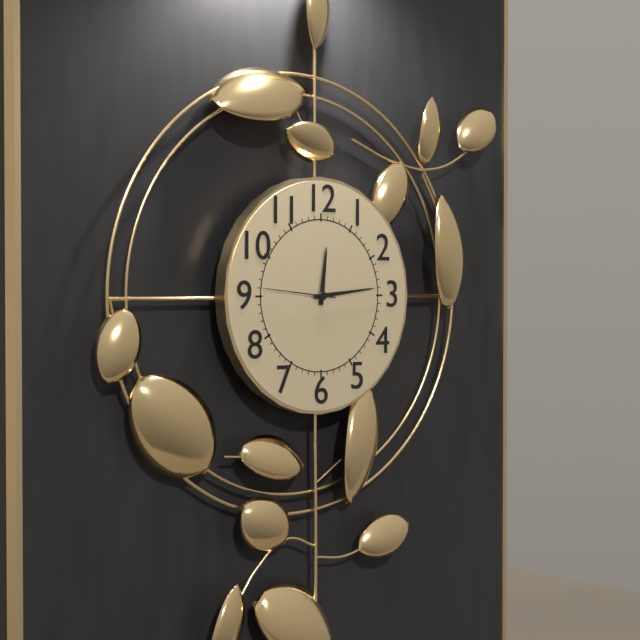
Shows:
{"hour": 12, "minute": 14, "second": 46}
